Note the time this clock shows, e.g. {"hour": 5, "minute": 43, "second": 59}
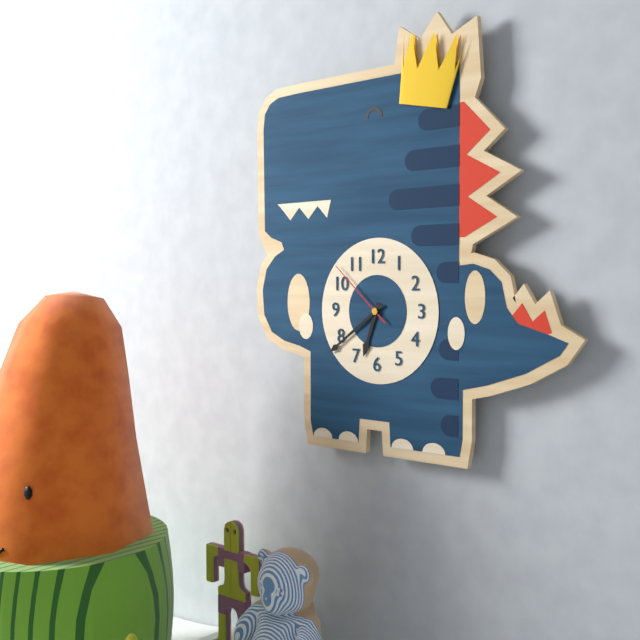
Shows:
{"hour": 6, "minute": 39, "second": 52}
